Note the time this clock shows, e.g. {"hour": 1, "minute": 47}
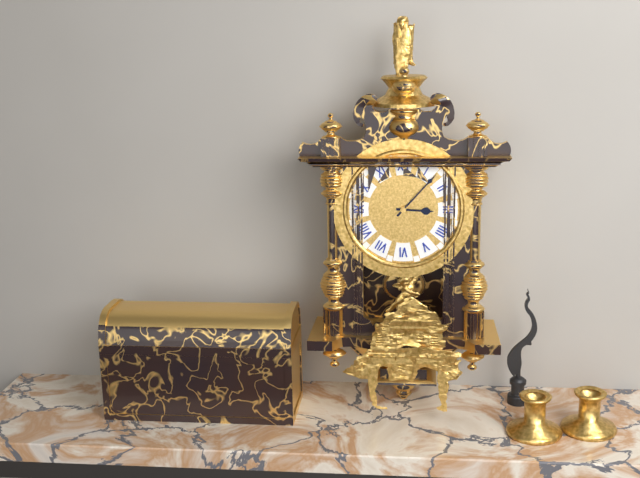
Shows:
{"hour": 3, "minute": 7}
